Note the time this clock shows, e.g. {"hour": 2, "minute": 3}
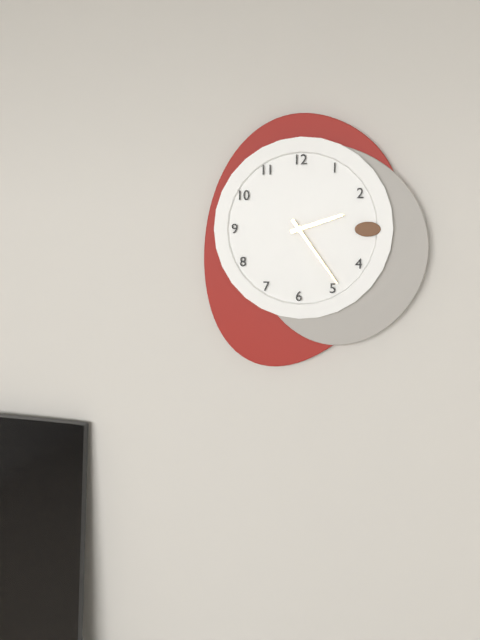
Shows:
{"hour": 2, "minute": 24}
